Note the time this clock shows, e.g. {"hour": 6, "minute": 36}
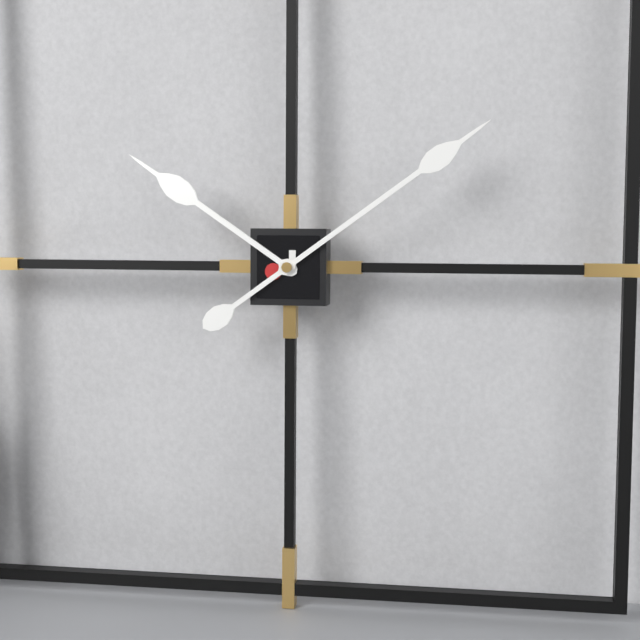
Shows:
{"hour": 10, "minute": 9}
